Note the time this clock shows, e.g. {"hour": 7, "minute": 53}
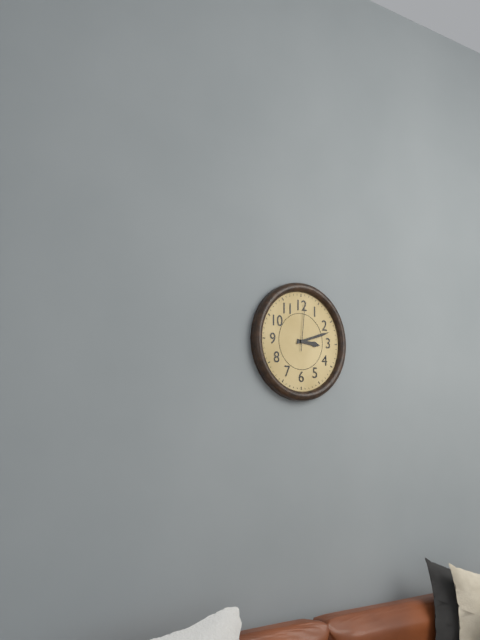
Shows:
{"hour": 3, "minute": 12}
